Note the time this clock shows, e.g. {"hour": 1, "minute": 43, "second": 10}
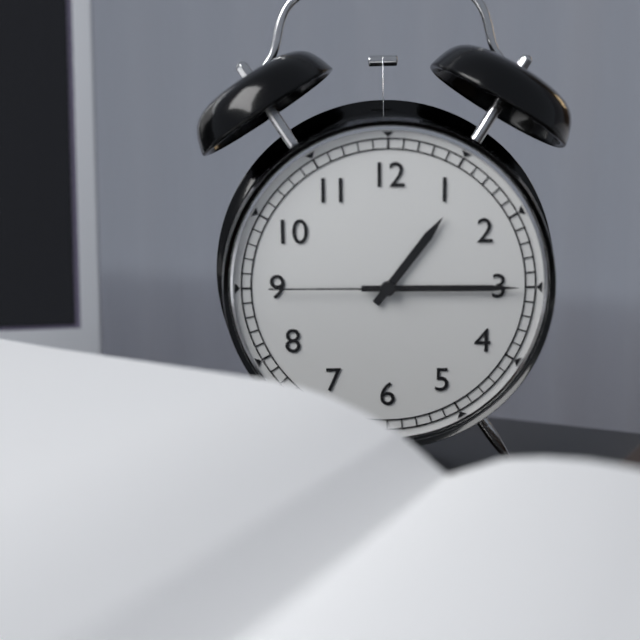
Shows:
{"hour": 1, "minute": 15, "second": 45}
